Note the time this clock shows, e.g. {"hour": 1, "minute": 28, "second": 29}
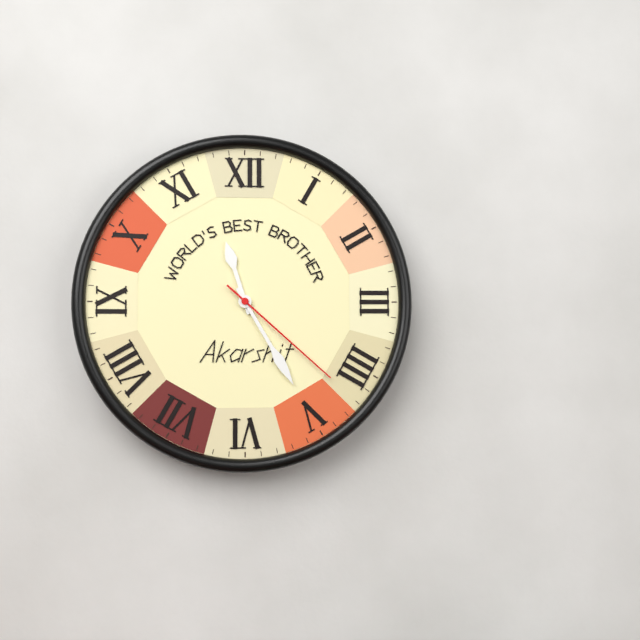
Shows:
{"hour": 11, "minute": 25, "second": 22}
